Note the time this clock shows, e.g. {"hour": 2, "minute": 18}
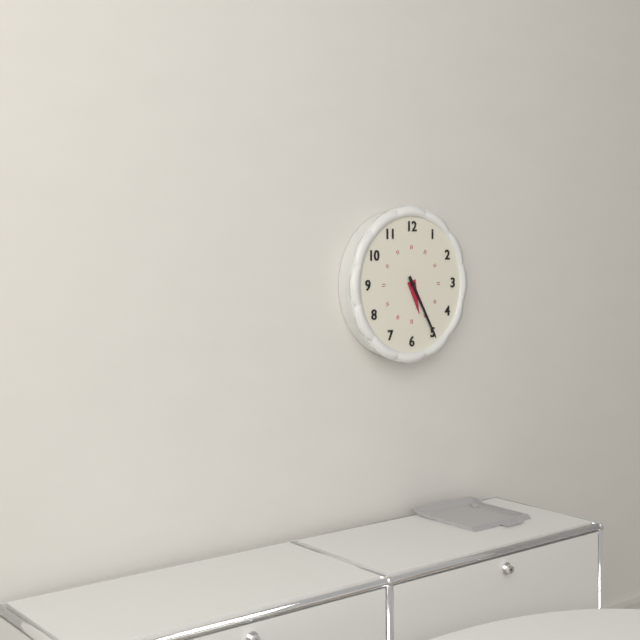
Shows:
{"hour": 5, "minute": 25}
